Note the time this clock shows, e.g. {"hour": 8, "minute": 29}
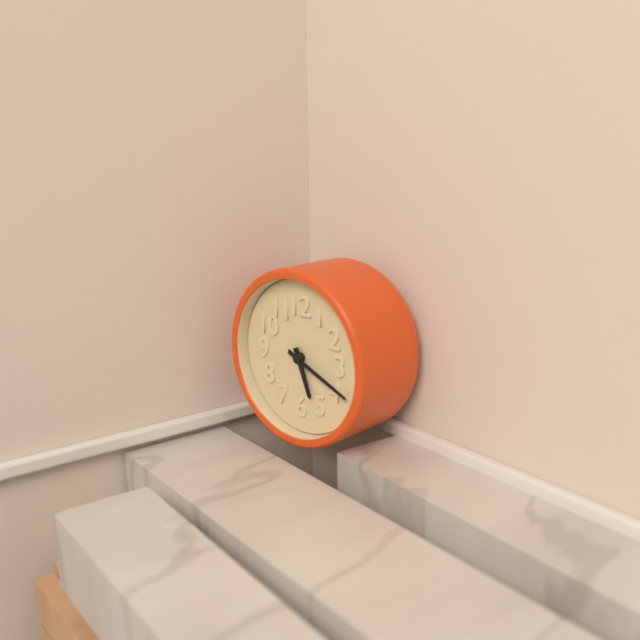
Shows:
{"hour": 5, "minute": 19}
